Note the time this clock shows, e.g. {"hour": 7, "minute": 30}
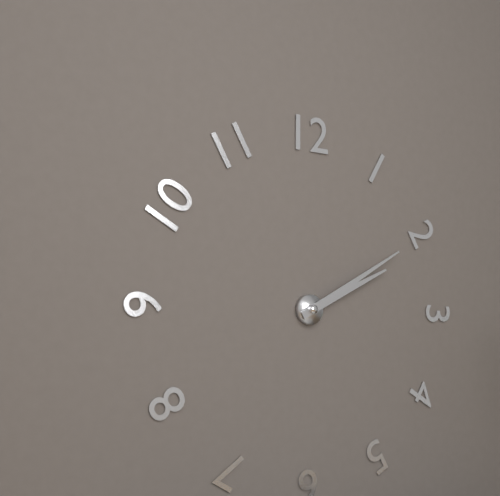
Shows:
{"hour": 2, "minute": 10}
